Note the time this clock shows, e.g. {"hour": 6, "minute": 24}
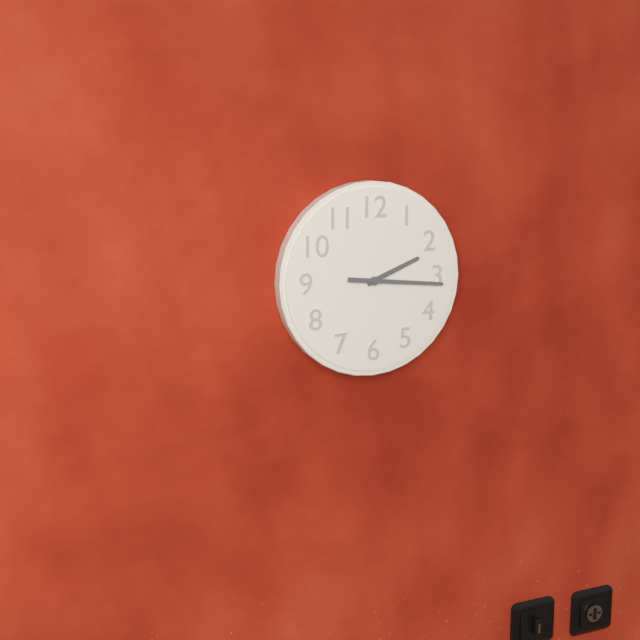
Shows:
{"hour": 2, "minute": 16}
